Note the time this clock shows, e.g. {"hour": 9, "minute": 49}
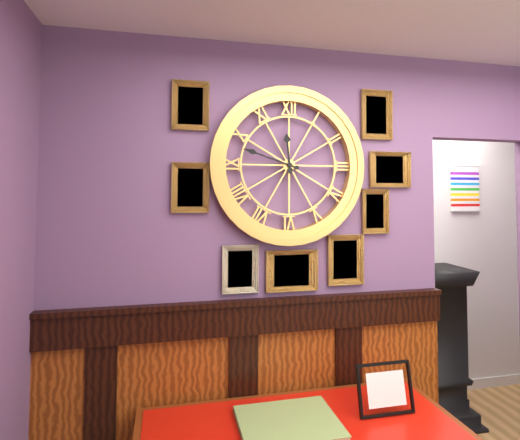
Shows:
{"hour": 11, "minute": 48}
